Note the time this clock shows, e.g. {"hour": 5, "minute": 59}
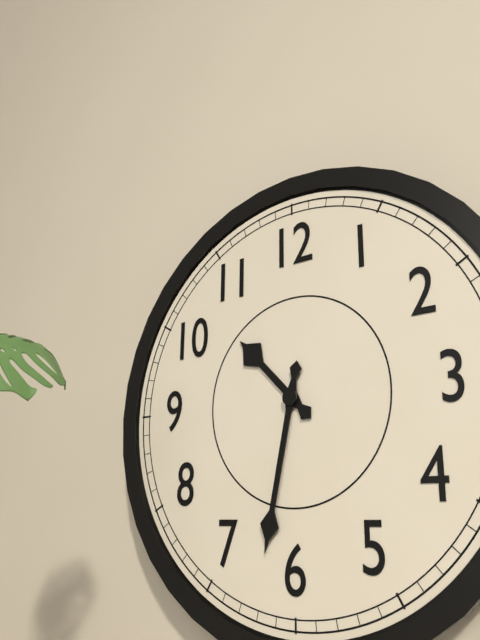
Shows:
{"hour": 10, "minute": 32}
